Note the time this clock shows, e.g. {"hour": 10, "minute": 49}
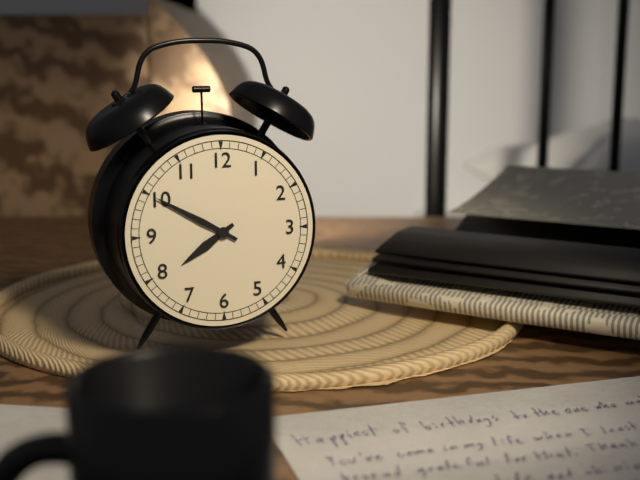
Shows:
{"hour": 7, "minute": 50}
